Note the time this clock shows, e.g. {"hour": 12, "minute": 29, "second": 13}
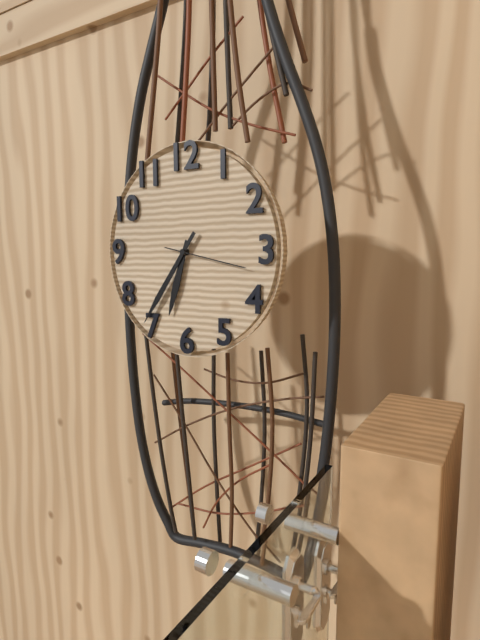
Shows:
{"hour": 6, "minute": 36, "second": 17}
